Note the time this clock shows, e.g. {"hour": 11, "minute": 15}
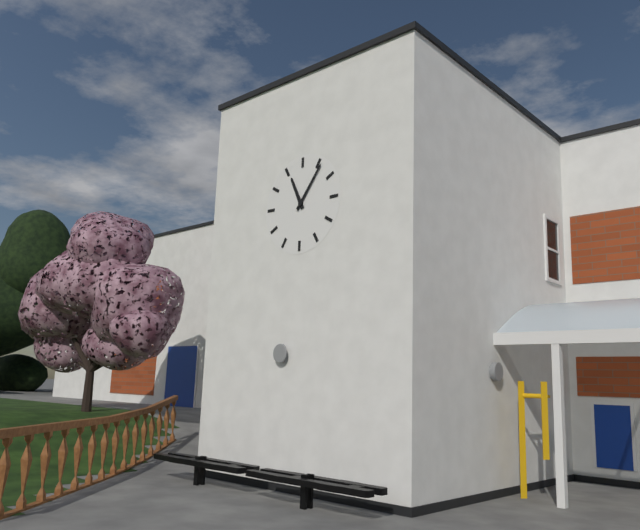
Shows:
{"hour": 11, "minute": 6}
